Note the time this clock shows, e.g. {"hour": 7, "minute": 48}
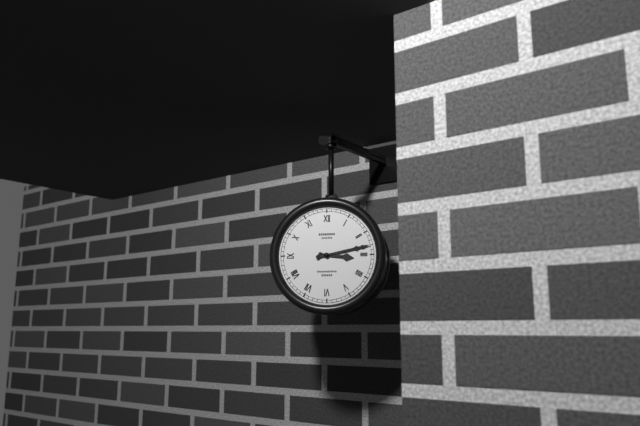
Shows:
{"hour": 3, "minute": 13}
